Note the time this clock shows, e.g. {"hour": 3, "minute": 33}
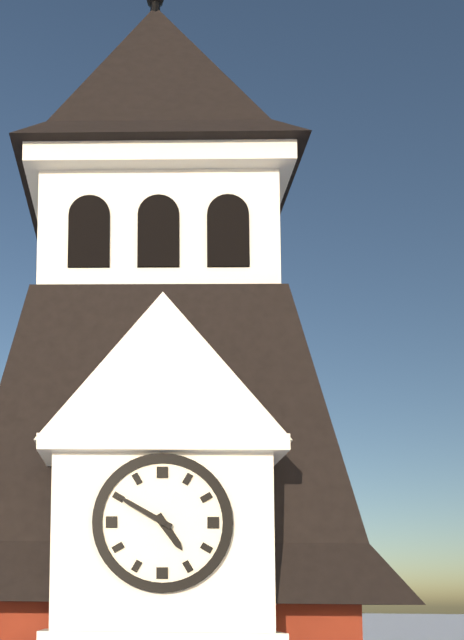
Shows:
{"hour": 4, "minute": 50}
